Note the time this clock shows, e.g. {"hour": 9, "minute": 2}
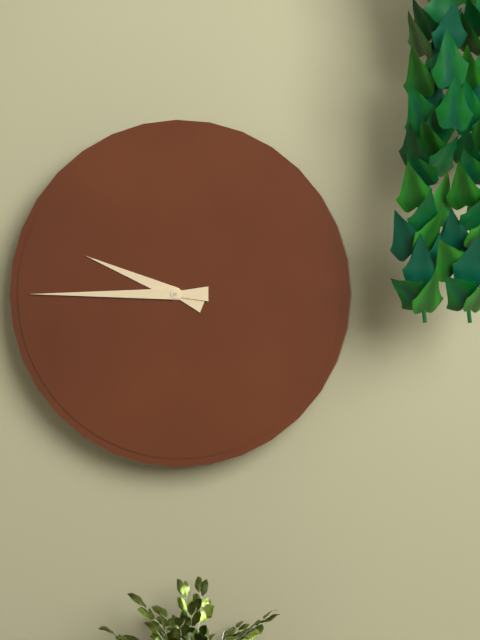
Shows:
{"hour": 9, "minute": 45}
